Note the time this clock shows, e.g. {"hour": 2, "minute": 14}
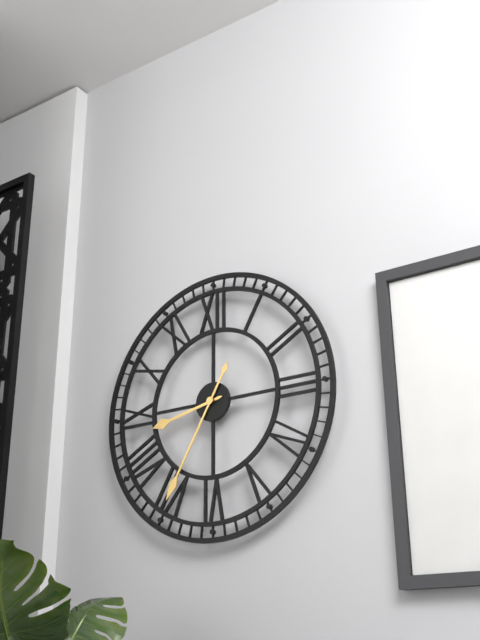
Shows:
{"hour": 8, "minute": 35}
